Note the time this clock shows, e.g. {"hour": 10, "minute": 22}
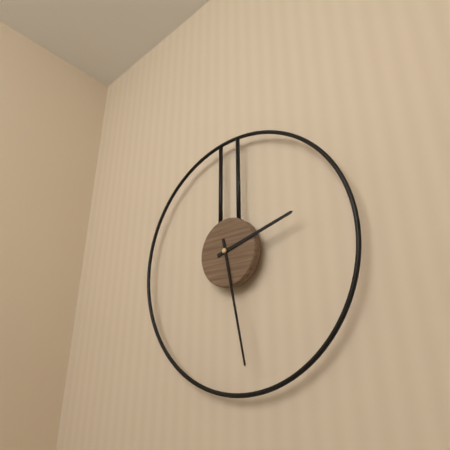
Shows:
{"hour": 2, "minute": 28}
